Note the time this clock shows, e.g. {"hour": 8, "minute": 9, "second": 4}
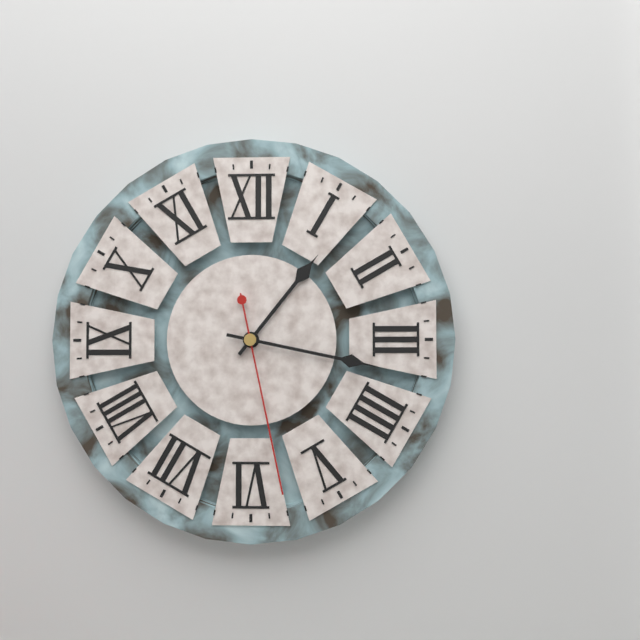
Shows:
{"hour": 1, "minute": 17, "second": 28}
